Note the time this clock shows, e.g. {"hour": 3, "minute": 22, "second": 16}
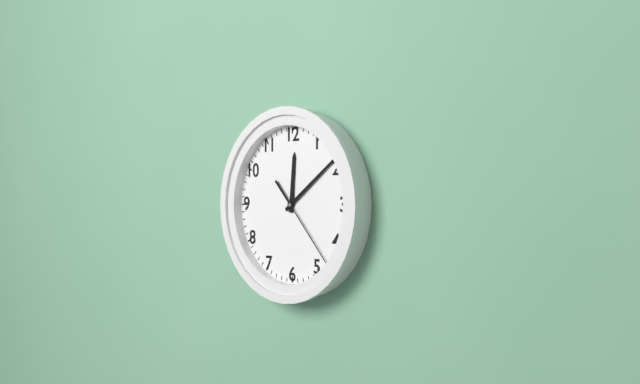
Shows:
{"hour": 12, "minute": 9, "second": 23}
